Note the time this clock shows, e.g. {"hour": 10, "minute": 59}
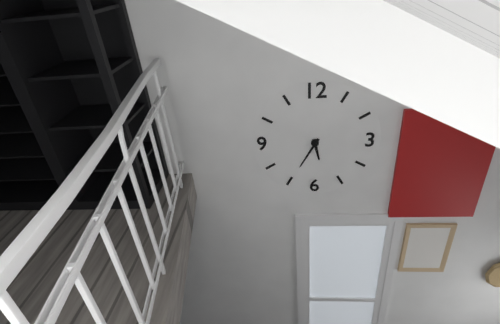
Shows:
{"hour": 5, "minute": 35}
